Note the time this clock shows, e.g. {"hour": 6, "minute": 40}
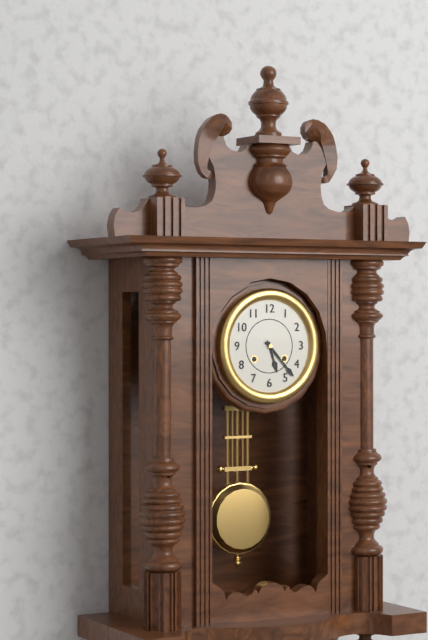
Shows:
{"hour": 5, "minute": 23}
